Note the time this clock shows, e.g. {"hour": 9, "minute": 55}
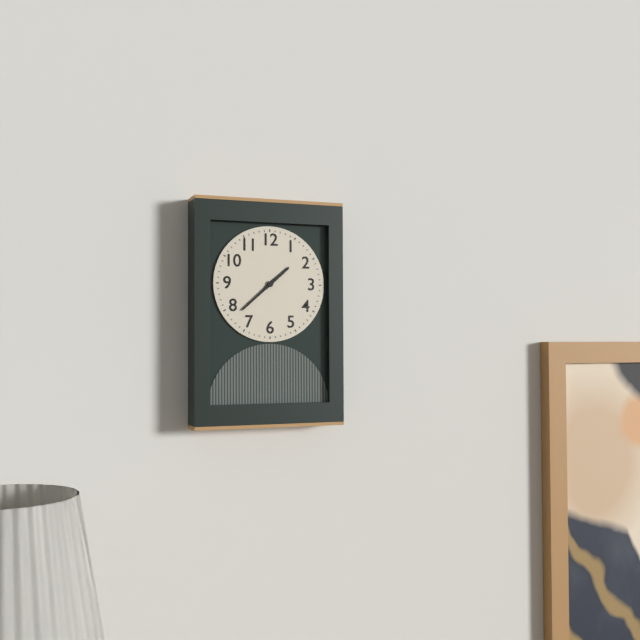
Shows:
{"hour": 1, "minute": 38}
